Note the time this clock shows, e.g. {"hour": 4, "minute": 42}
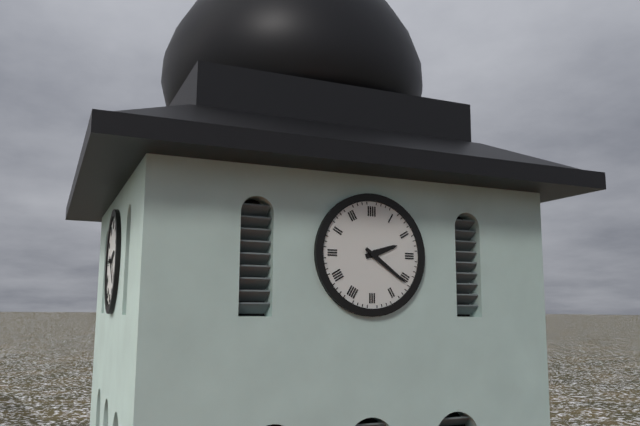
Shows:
{"hour": 2, "minute": 21}
